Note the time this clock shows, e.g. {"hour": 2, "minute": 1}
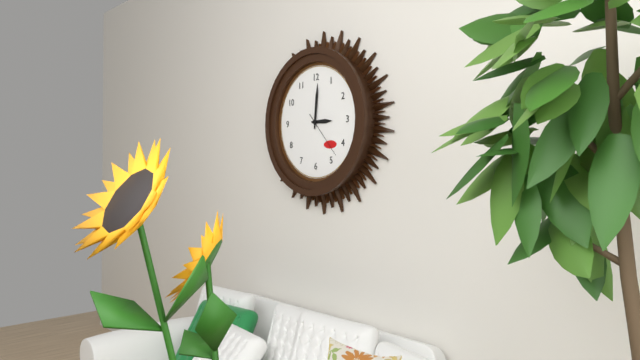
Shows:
{"hour": 3, "minute": 1}
